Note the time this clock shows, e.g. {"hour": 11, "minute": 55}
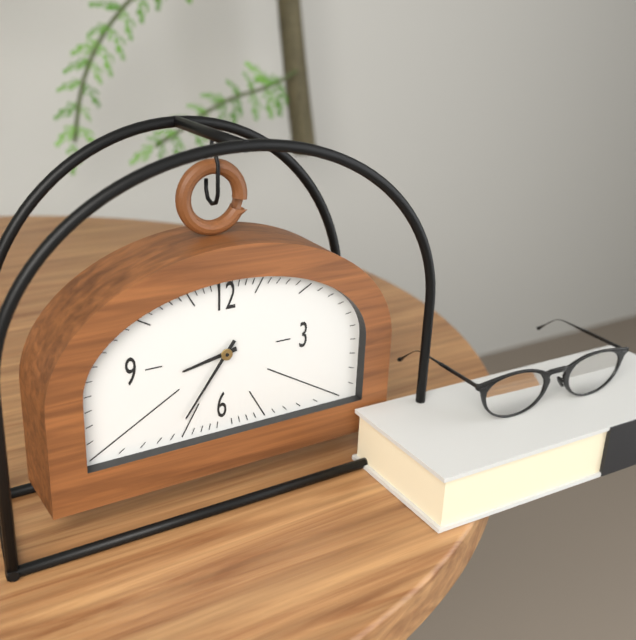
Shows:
{"hour": 8, "minute": 36}
